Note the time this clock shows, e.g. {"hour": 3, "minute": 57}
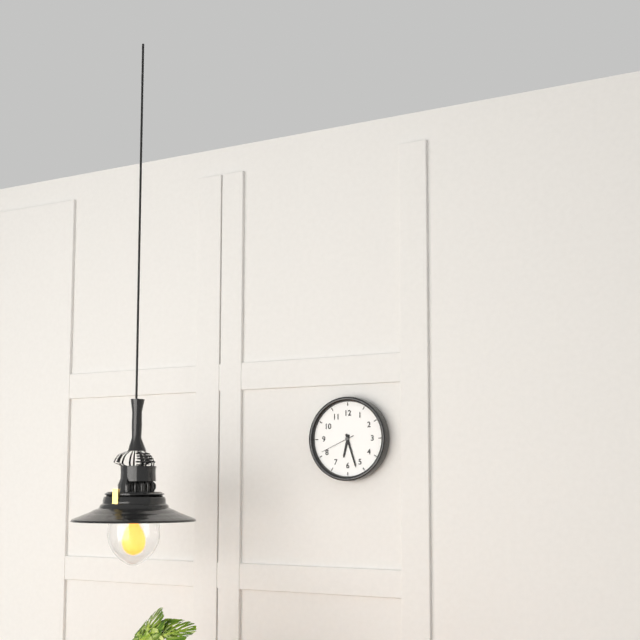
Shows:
{"hour": 6, "minute": 27}
